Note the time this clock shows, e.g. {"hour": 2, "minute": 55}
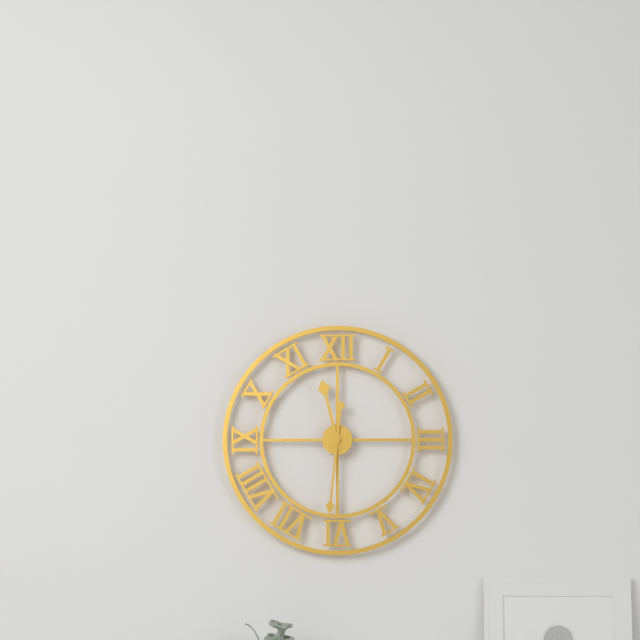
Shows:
{"hour": 11, "minute": 31}
